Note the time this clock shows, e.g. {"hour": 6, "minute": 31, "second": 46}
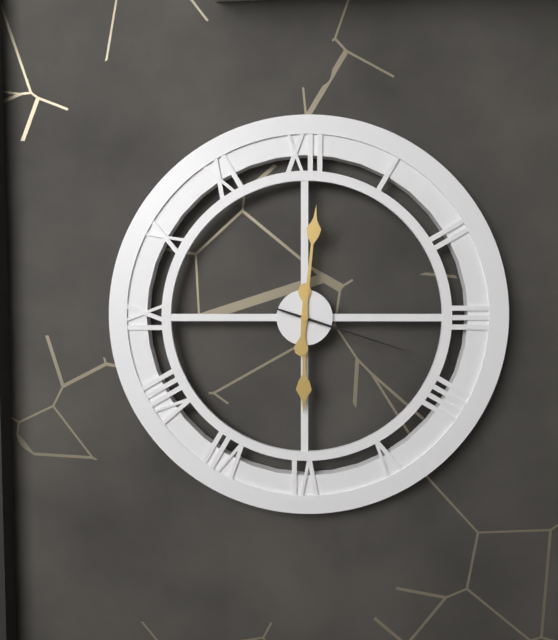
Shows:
{"hour": 6, "minute": 1, "second": 18}
